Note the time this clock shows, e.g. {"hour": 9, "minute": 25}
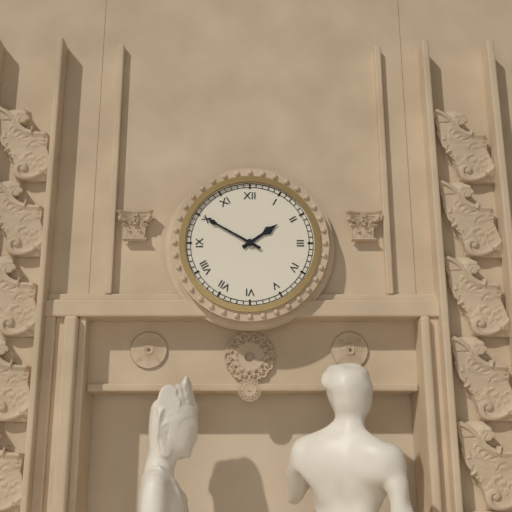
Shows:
{"hour": 1, "minute": 50}
